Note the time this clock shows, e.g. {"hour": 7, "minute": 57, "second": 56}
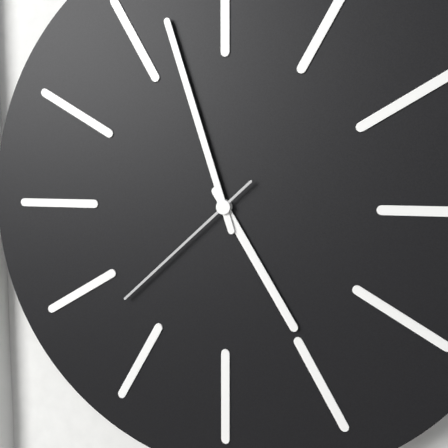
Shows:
{"hour": 4, "minute": 57, "second": 38}
